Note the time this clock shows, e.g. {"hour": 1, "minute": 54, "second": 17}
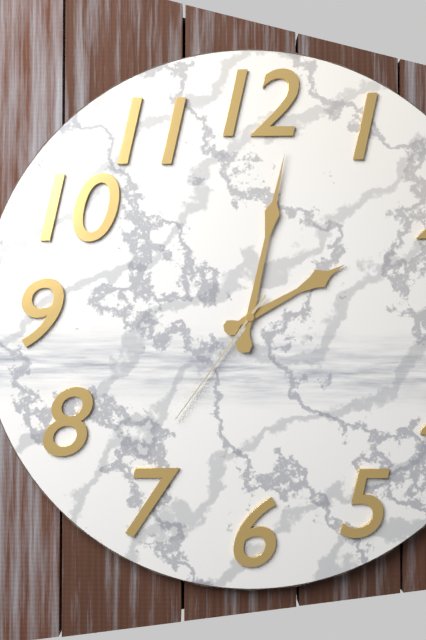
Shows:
{"hour": 2, "minute": 2, "second": 36}
